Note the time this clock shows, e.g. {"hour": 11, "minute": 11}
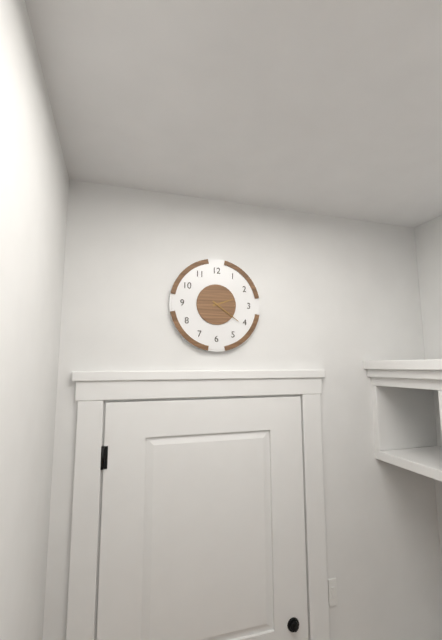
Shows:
{"hour": 2, "minute": 21}
